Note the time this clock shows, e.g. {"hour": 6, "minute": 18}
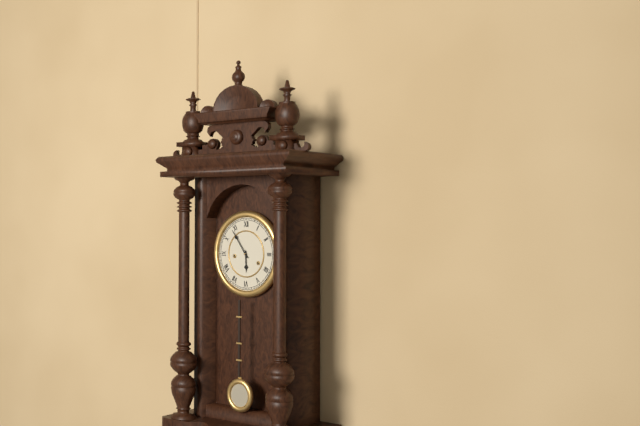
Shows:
{"hour": 5, "minute": 54}
